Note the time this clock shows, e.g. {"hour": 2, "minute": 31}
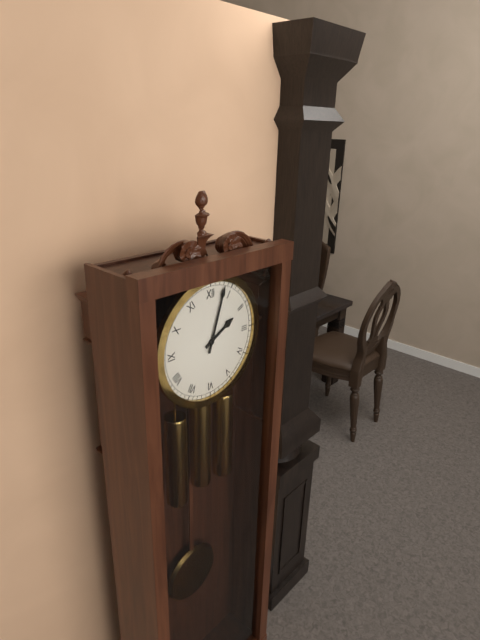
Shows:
{"hour": 2, "minute": 3}
